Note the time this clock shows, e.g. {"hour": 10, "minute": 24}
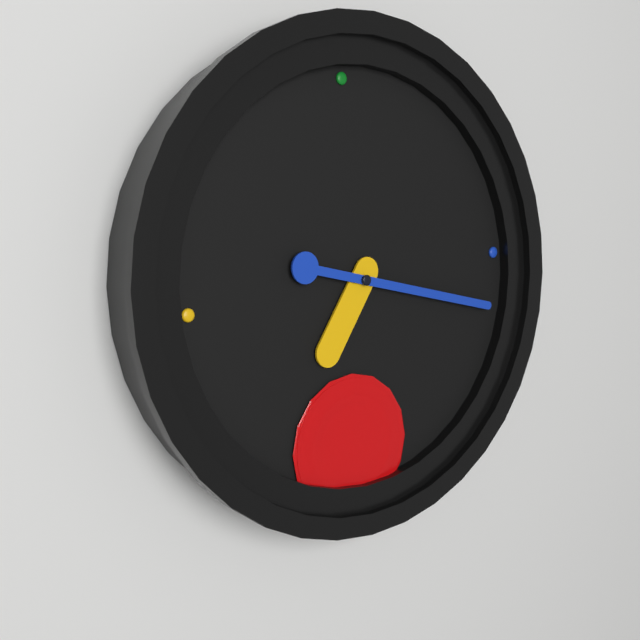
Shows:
{"hour": 7, "minute": 18}
